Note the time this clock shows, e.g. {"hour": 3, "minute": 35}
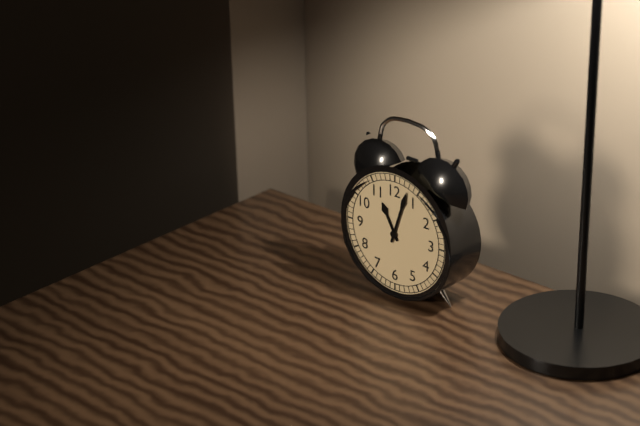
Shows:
{"hour": 11, "minute": 3}
